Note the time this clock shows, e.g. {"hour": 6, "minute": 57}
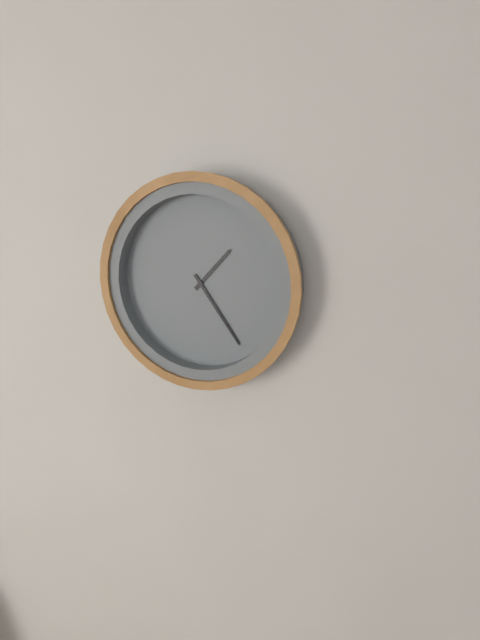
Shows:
{"hour": 1, "minute": 24}
